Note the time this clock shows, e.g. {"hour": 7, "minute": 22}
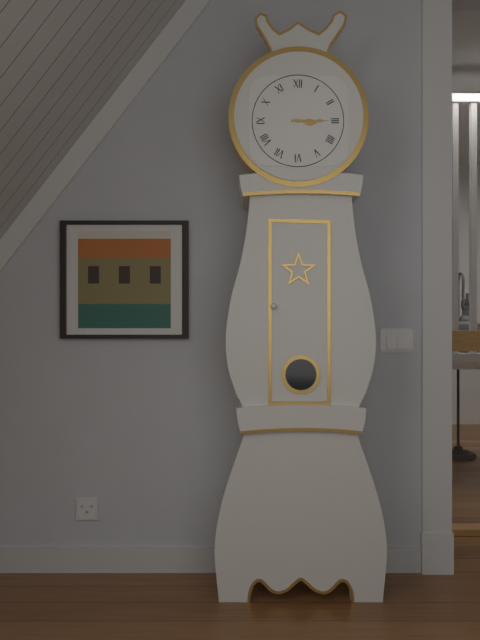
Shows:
{"hour": 3, "minute": 15}
